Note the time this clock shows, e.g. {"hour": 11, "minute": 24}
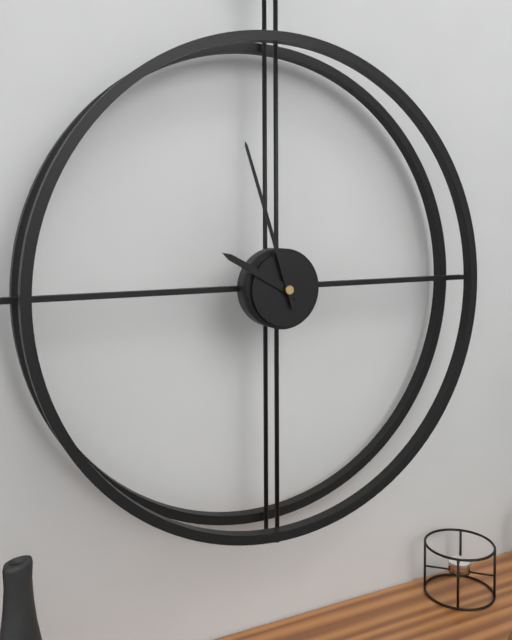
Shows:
{"hour": 9, "minute": 57}
